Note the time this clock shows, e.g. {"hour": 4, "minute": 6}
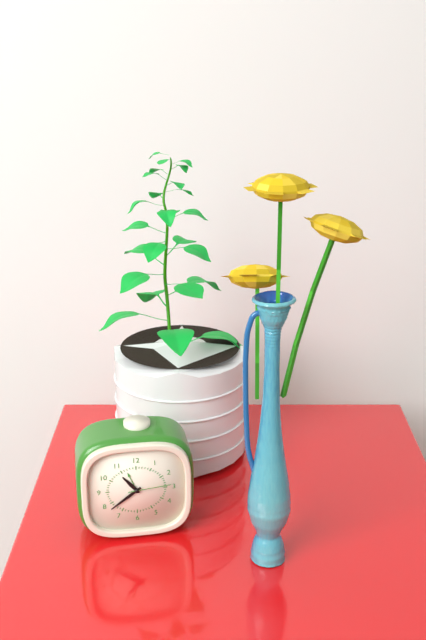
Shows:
{"hour": 10, "minute": 39}
